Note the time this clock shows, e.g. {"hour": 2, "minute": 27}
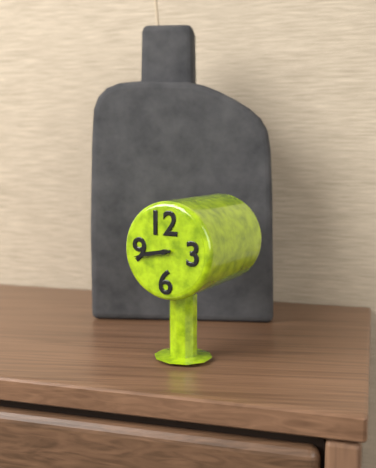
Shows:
{"hour": 8, "minute": 43}
